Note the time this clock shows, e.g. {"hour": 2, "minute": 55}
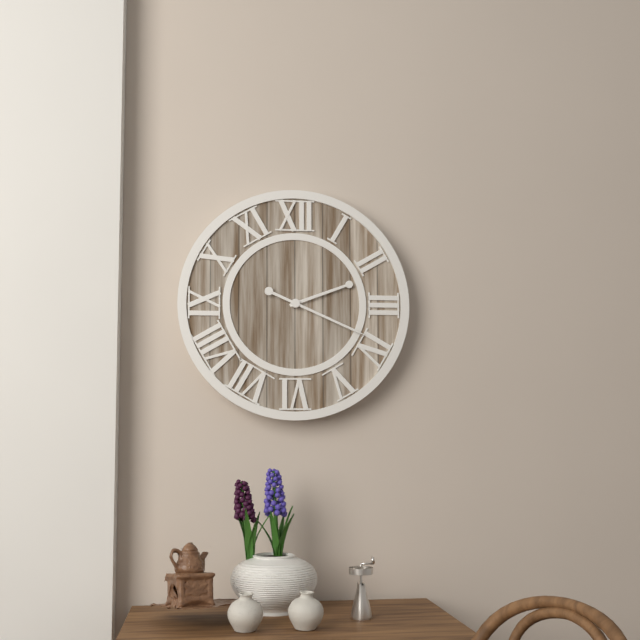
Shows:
{"hour": 2, "minute": 19}
